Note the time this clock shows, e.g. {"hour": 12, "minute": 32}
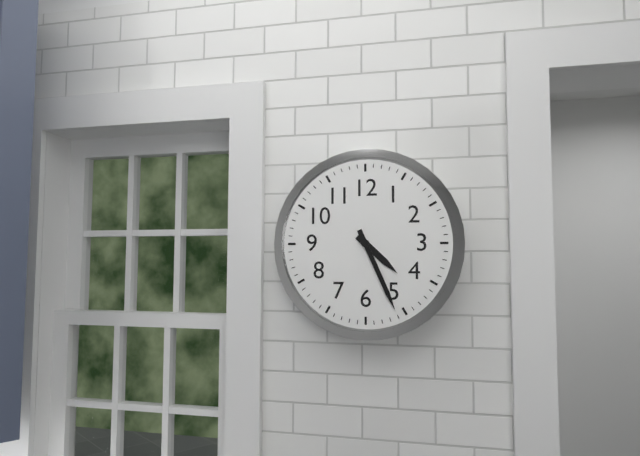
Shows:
{"hour": 4, "minute": 26}
